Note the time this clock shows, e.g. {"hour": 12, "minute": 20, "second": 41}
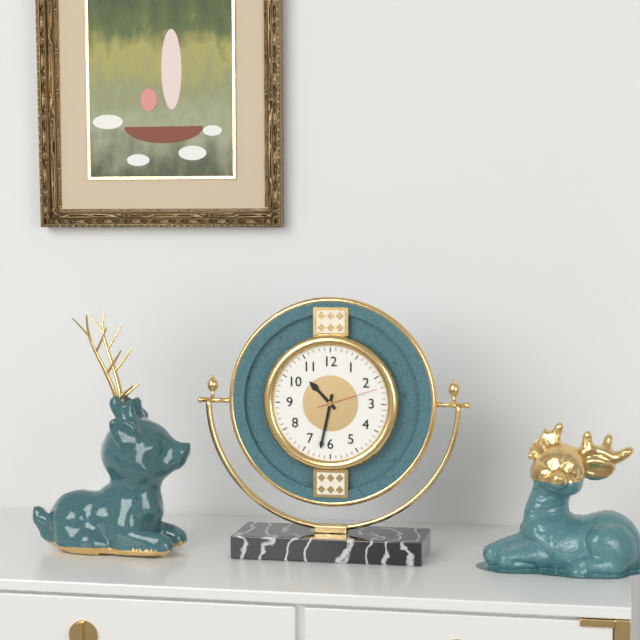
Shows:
{"hour": 10, "minute": 32, "second": 12}
